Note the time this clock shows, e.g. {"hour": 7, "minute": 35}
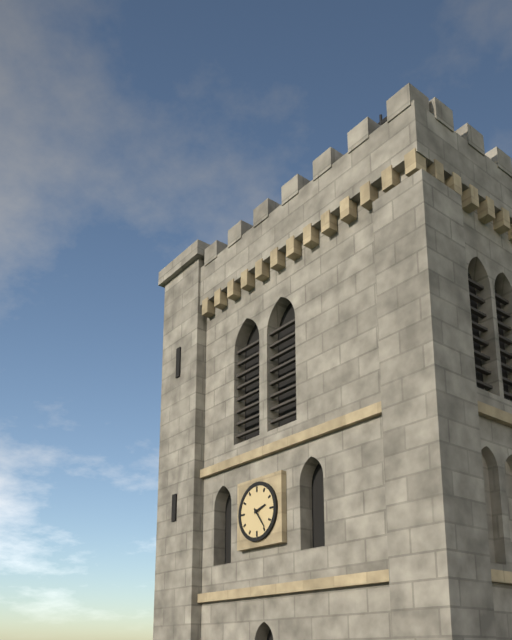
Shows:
{"hour": 2, "minute": 24}
